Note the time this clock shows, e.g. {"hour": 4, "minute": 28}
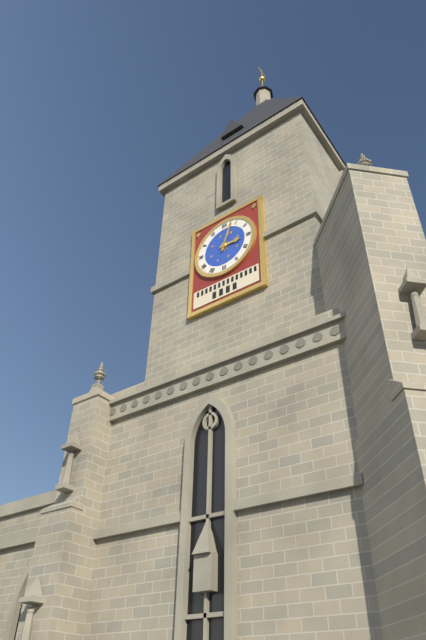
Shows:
{"hour": 3, "minute": 3}
